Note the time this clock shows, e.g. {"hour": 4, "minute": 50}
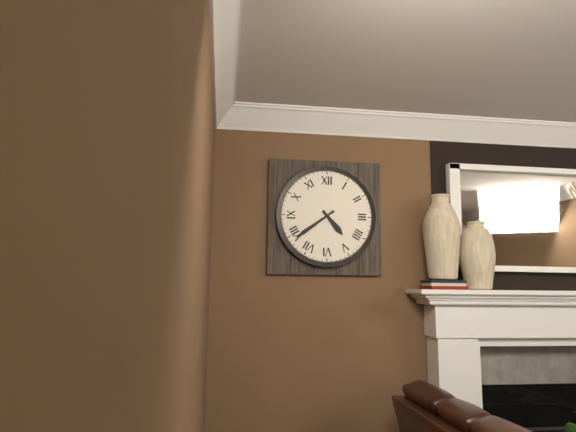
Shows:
{"hour": 4, "minute": 39}
